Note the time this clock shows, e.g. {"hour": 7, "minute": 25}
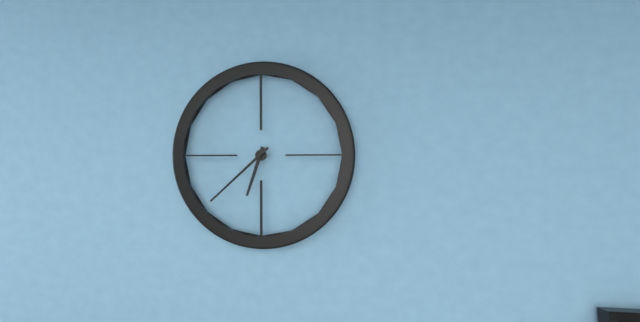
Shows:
{"hour": 6, "minute": 38}
